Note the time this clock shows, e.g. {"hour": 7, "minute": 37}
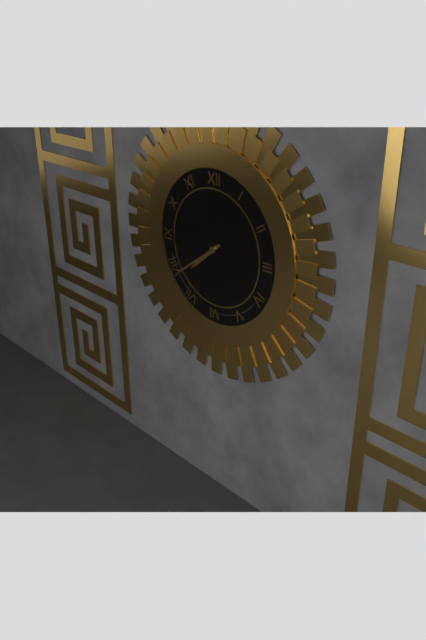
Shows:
{"hour": 7, "minute": 39}
